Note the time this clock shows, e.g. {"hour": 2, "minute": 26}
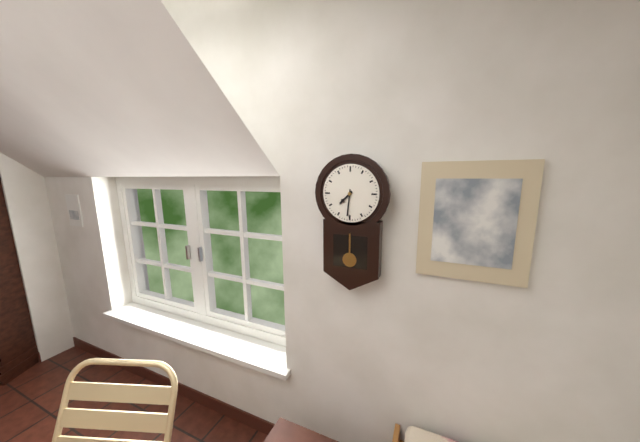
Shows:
{"hour": 7, "minute": 31}
